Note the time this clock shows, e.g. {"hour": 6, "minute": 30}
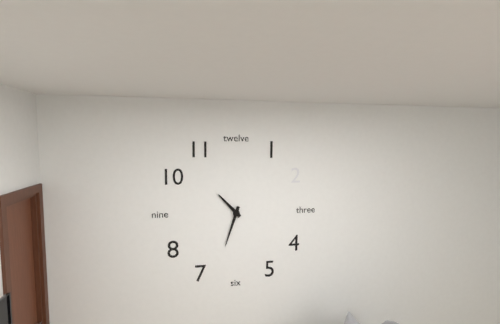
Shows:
{"hour": 10, "minute": 33}
